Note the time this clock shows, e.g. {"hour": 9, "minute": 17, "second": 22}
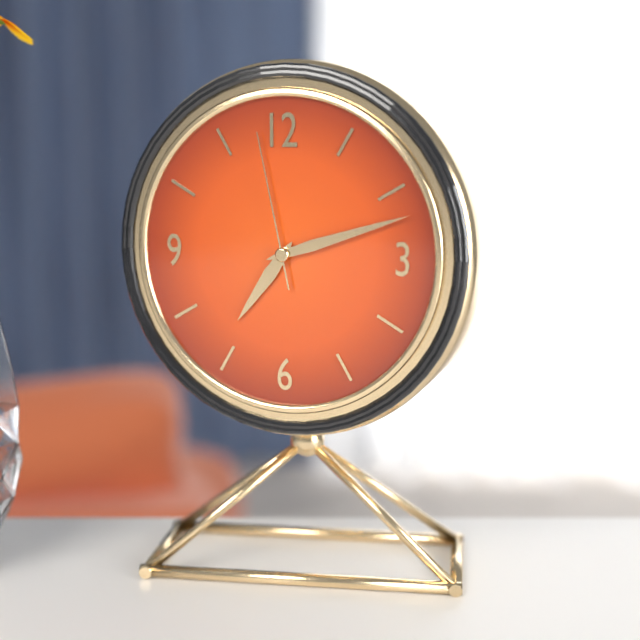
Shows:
{"hour": 7, "minute": 12, "second": 58}
